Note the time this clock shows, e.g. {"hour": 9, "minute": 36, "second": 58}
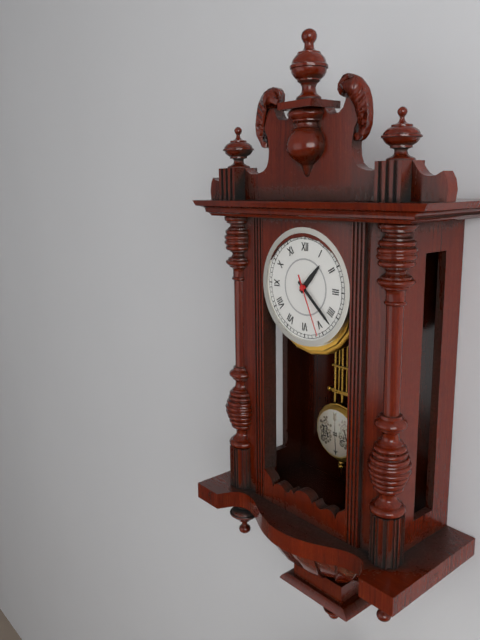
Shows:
{"hour": 1, "minute": 22, "second": 26}
